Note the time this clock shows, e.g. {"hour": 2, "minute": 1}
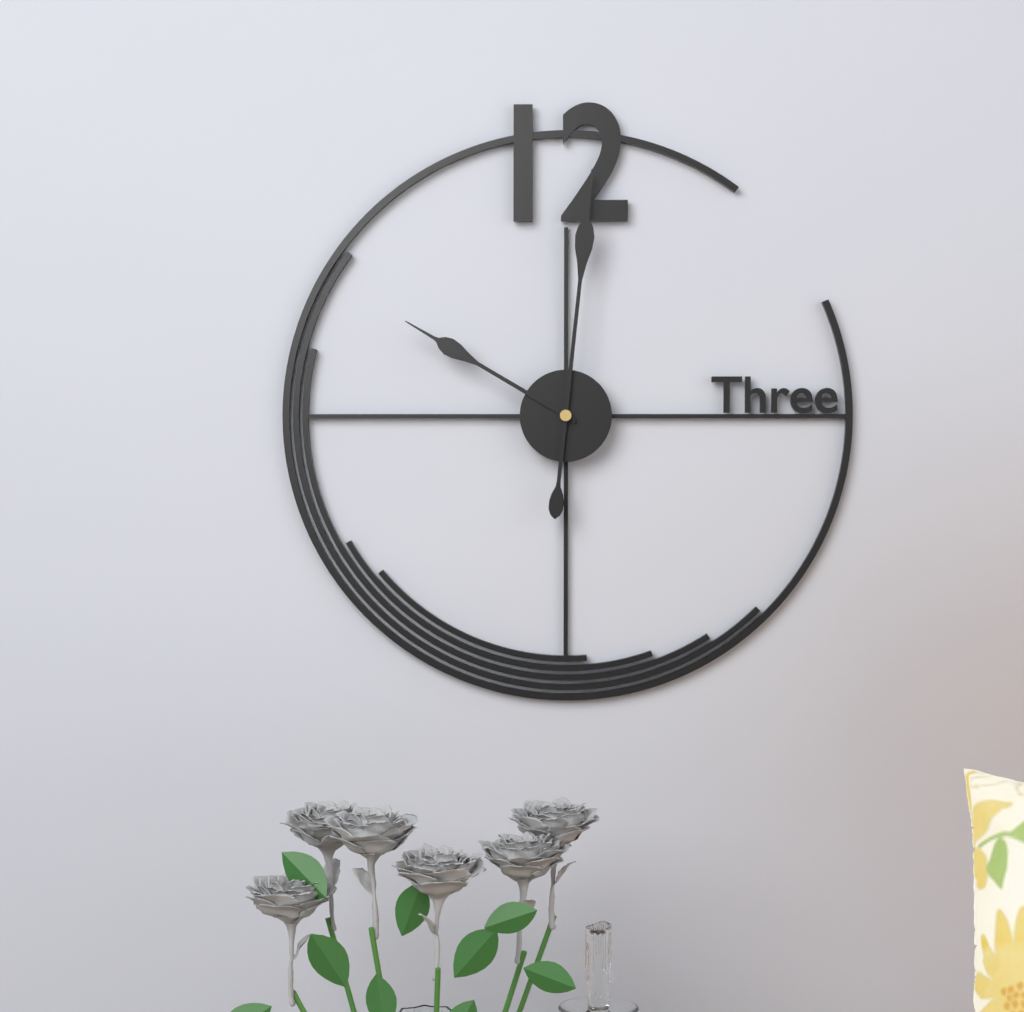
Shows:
{"hour": 10, "minute": 1}
